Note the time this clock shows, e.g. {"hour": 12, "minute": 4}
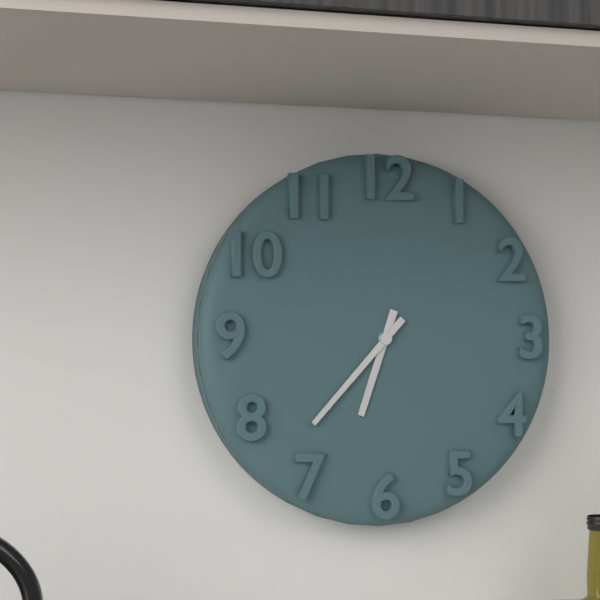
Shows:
{"hour": 6, "minute": 37}
